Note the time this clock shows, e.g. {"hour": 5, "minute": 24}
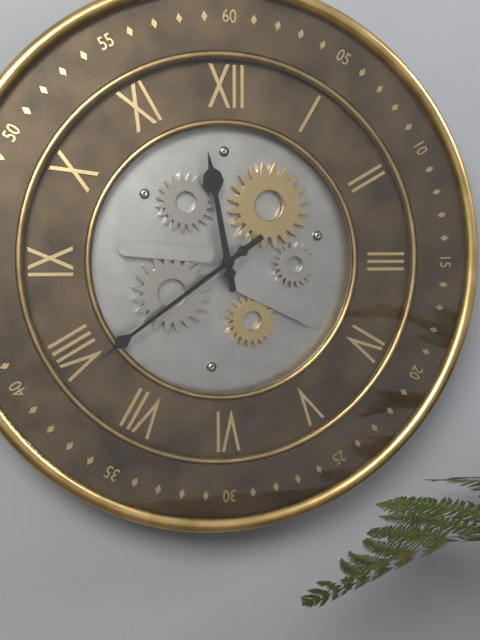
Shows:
{"hour": 11, "minute": 39}
